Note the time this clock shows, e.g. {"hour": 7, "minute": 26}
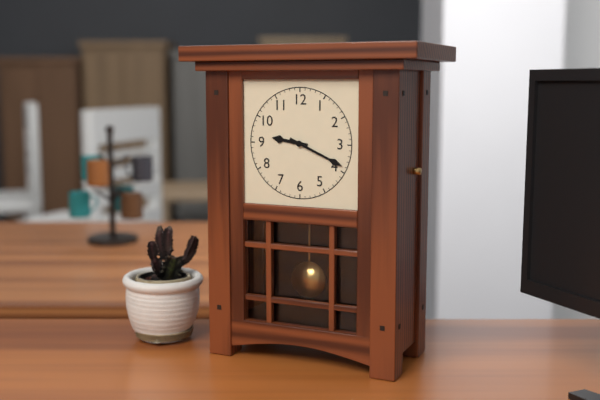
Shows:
{"hour": 9, "minute": 19}
